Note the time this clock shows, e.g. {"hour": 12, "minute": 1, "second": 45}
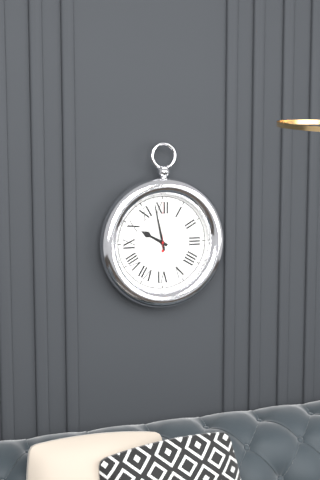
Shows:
{"hour": 9, "minute": 58, "second": 0}
